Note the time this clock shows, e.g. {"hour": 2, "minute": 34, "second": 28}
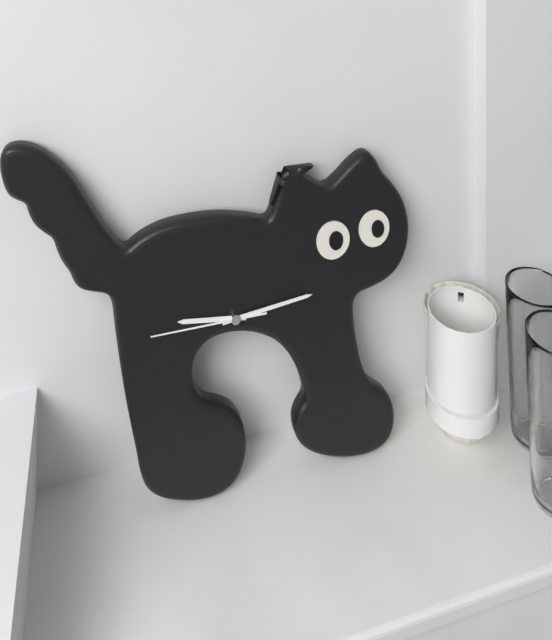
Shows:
{"hour": 9, "minute": 14, "second": 45}
